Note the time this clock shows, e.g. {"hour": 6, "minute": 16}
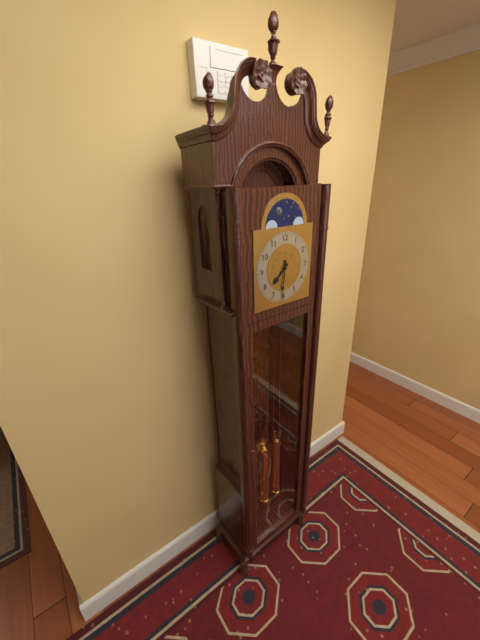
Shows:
{"hour": 7, "minute": 31}
